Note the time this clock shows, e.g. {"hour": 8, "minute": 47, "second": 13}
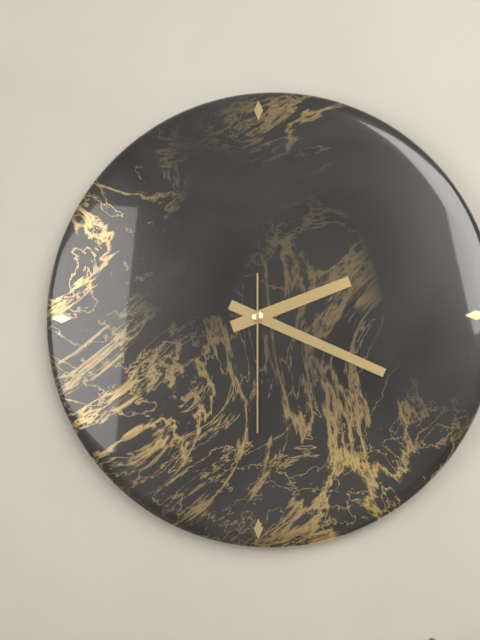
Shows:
{"hour": 2, "minute": 19, "second": 30}
